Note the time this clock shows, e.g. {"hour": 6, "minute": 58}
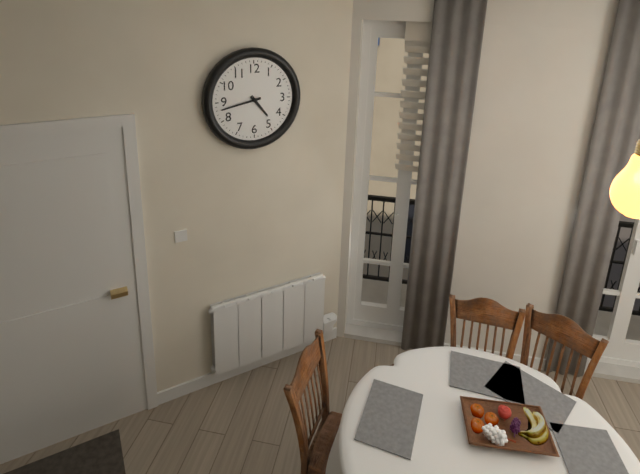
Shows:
{"hour": 4, "minute": 43}
